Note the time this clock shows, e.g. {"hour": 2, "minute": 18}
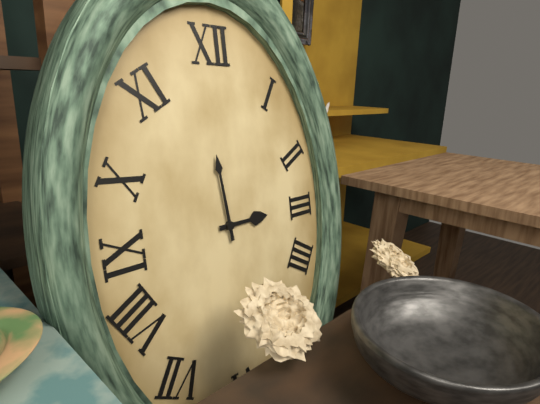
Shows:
{"hour": 2, "minute": 59}
